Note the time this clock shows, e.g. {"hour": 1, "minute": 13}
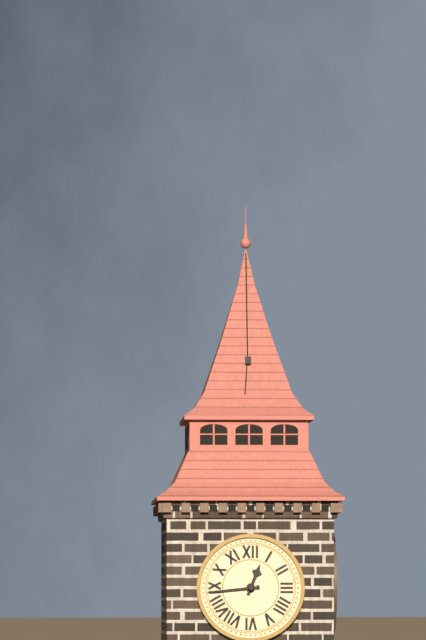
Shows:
{"hour": 12, "minute": 44}
